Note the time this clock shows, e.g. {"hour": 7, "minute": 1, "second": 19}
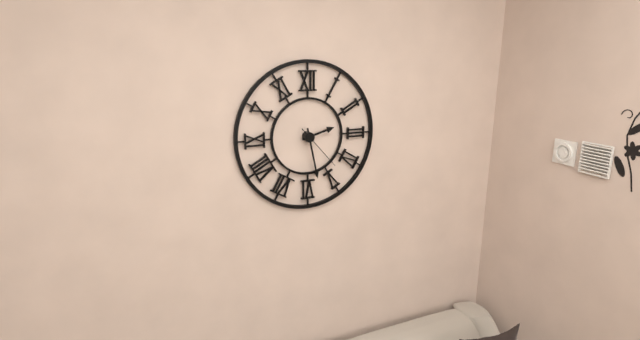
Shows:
{"hour": 2, "minute": 28, "second": 23}
